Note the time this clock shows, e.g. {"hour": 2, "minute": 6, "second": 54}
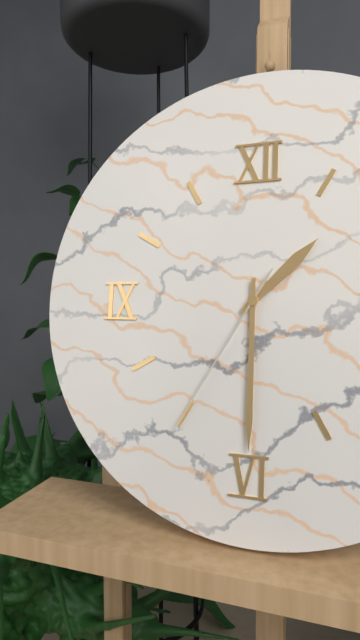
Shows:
{"hour": 1, "minute": 30, "second": 35}
